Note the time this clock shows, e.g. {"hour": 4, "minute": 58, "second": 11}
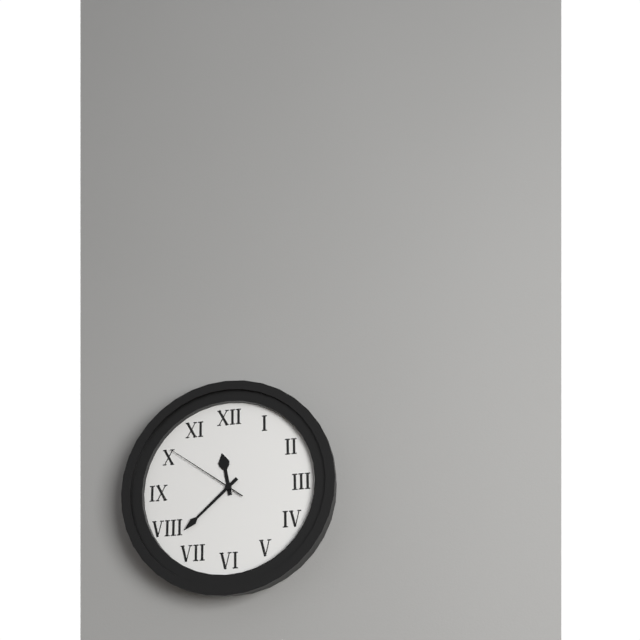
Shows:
{"hour": 11, "minute": 38, "second": 51}
